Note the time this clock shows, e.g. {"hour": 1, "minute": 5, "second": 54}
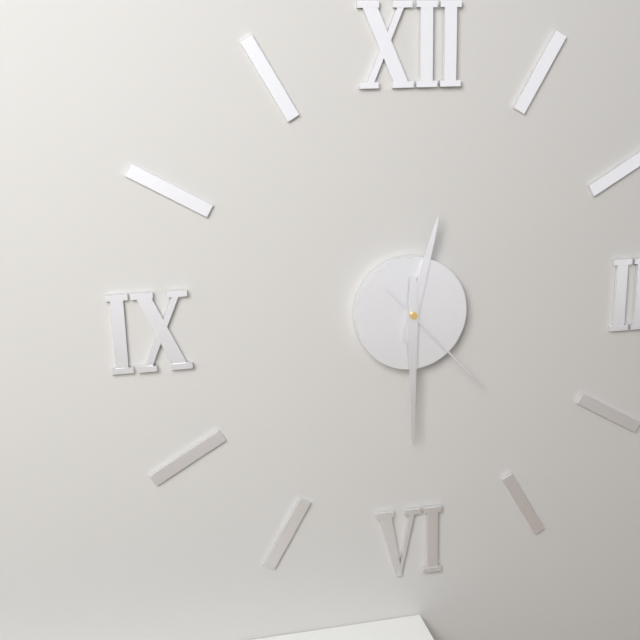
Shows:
{"hour": 12, "minute": 30, "second": 23}
